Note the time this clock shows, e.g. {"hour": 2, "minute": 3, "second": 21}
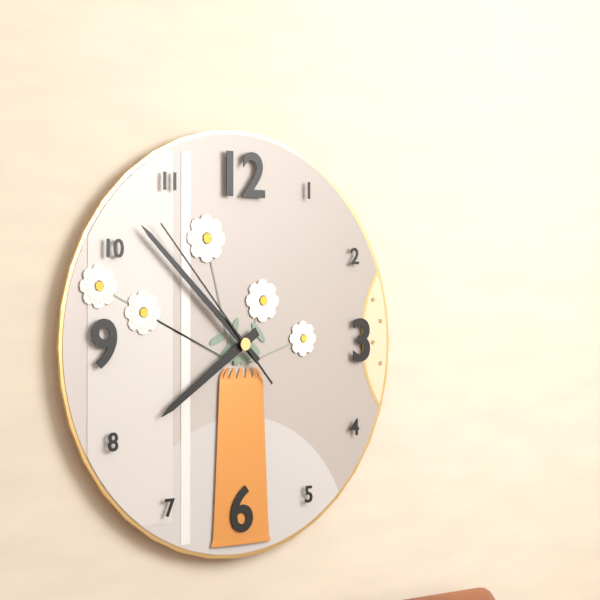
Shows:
{"hour": 7, "minute": 52, "second": 53}
